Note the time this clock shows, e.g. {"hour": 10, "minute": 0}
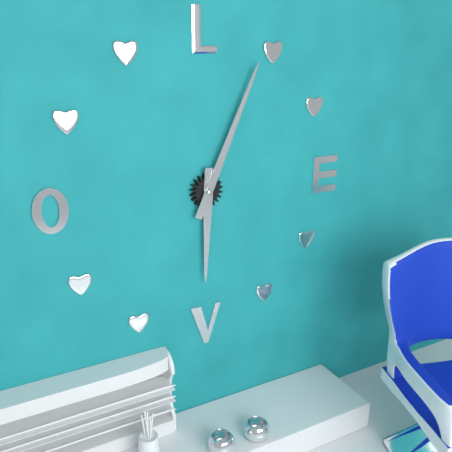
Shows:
{"hour": 6, "minute": 4}
